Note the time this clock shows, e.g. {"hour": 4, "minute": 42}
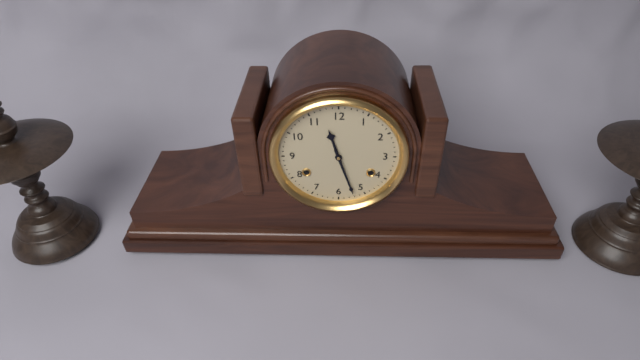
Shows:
{"hour": 11, "minute": 27}
